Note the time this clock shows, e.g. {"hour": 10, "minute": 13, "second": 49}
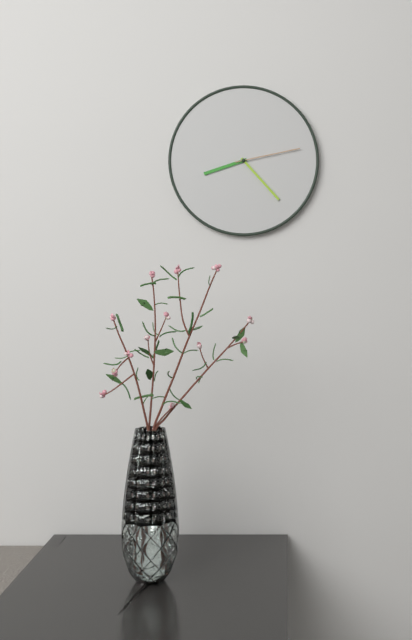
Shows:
{"hour": 8, "minute": 23, "second": 13}
